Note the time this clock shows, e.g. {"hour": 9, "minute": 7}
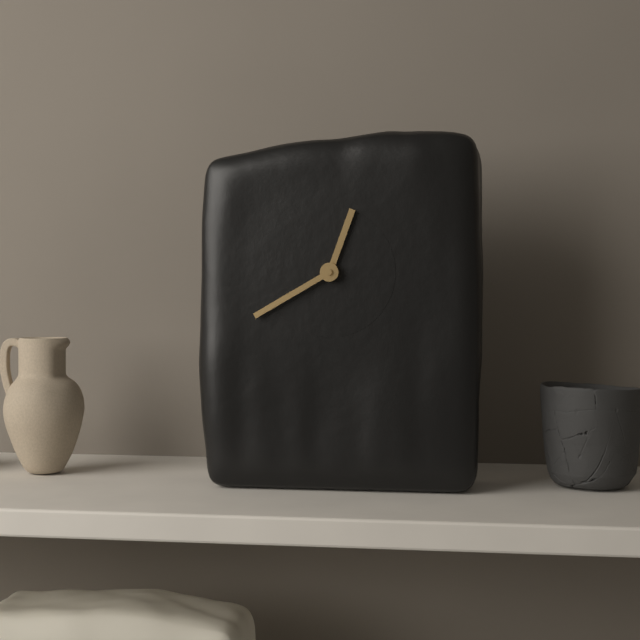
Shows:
{"hour": 12, "minute": 40}
